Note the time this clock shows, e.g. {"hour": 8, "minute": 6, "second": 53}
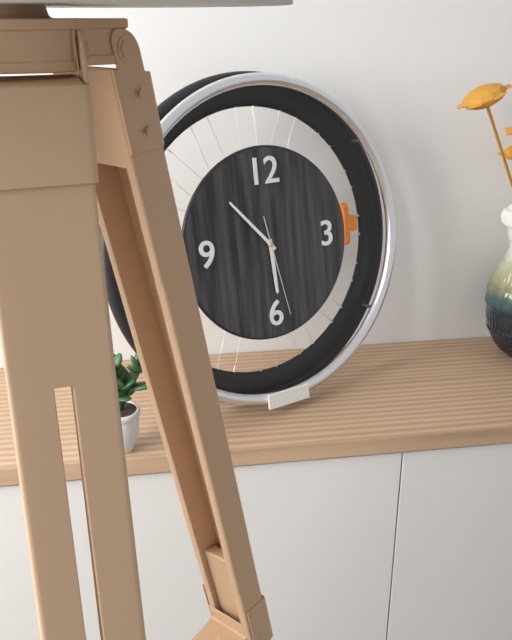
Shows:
{"hour": 5, "minute": 53, "second": 28}
